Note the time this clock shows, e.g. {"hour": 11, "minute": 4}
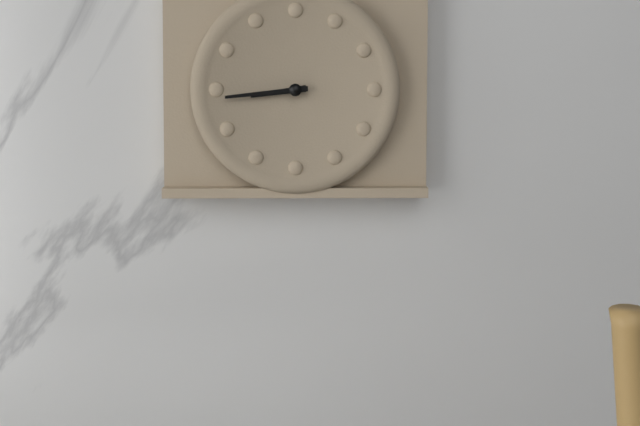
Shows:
{"hour": 8, "minute": 44}
